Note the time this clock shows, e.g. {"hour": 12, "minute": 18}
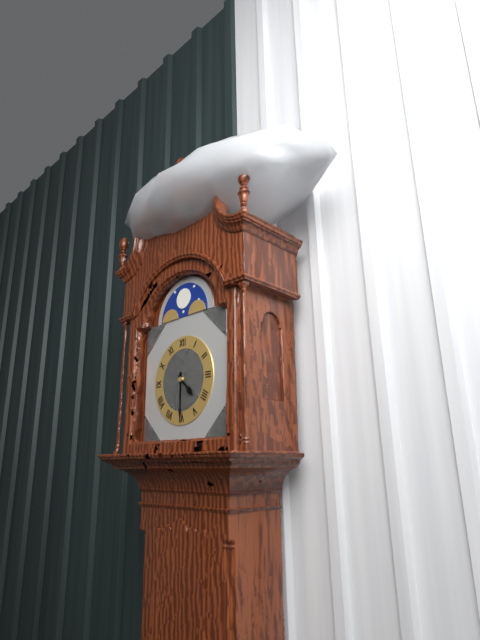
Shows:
{"hour": 4, "minute": 30}
